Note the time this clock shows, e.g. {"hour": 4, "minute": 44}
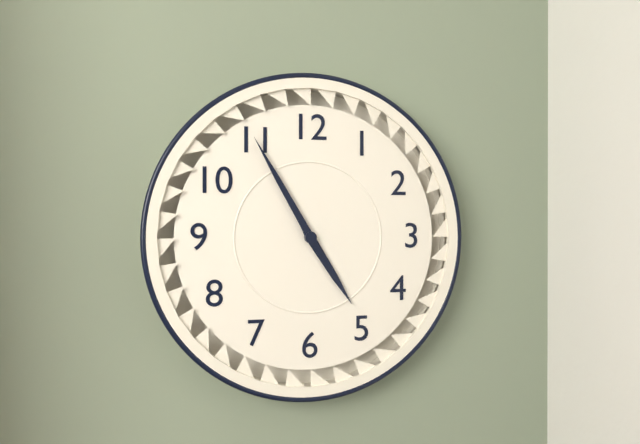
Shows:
{"hour": 4, "minute": 55}
